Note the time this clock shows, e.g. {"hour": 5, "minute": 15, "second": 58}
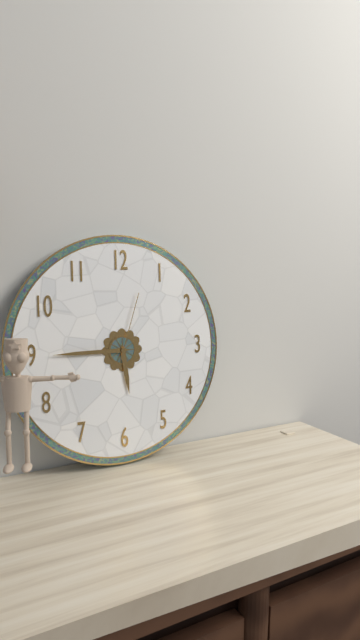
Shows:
{"hour": 5, "minute": 45, "second": 3}
